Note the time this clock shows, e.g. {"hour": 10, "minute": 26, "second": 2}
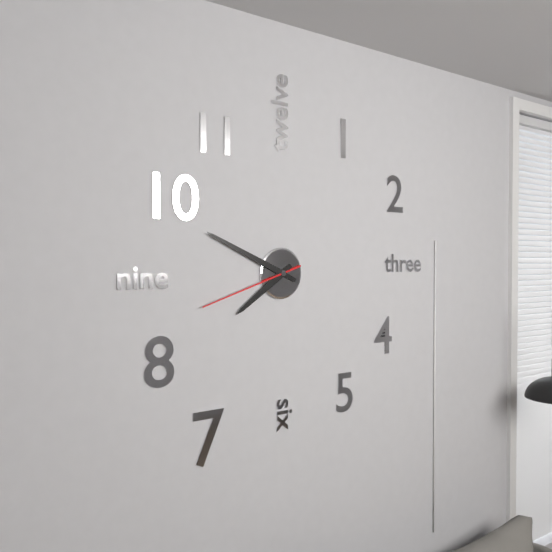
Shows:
{"hour": 7, "minute": 49, "second": 42}
